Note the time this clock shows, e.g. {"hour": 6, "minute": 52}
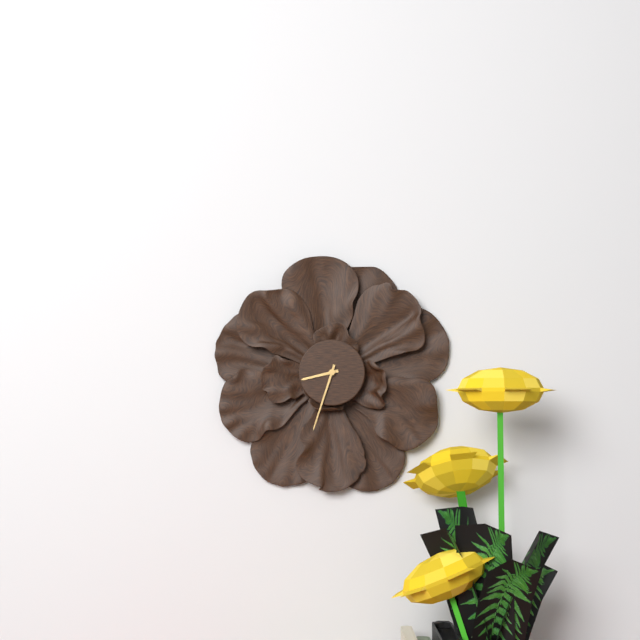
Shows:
{"hour": 8, "minute": 33}
